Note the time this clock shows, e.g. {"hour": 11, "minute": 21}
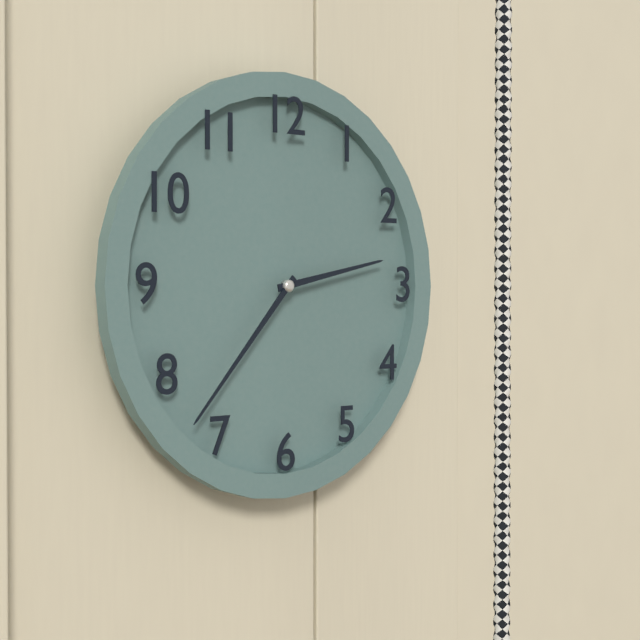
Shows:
{"hour": 2, "minute": 37}
